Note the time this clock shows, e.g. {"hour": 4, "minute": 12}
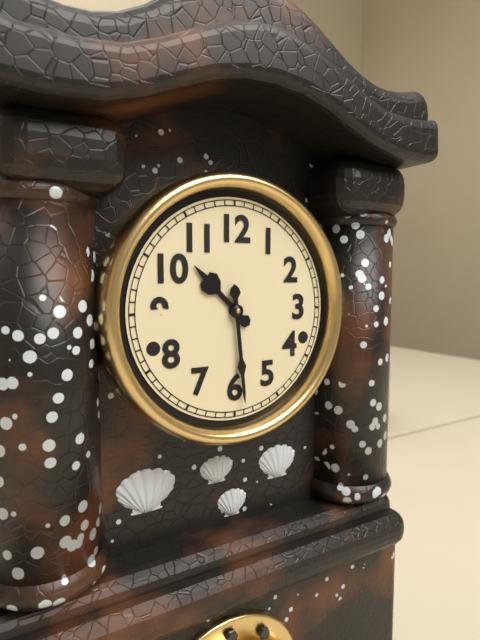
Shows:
{"hour": 10, "minute": 29}
